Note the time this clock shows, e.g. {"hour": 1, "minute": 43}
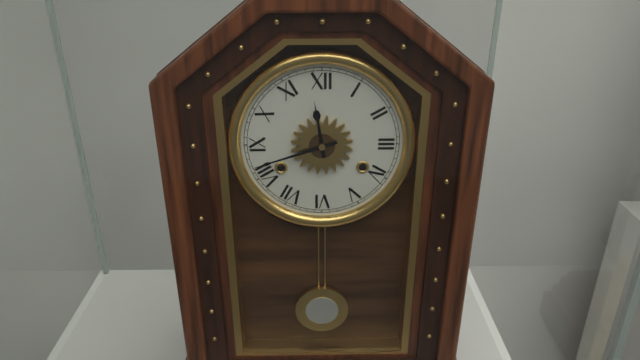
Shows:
{"hour": 11, "minute": 42}
